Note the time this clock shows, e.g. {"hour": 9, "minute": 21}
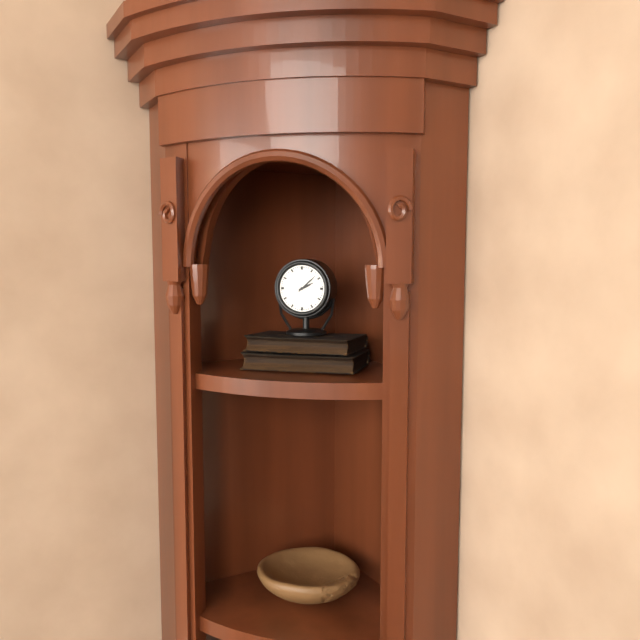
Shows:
{"hour": 2, "minute": 8}
